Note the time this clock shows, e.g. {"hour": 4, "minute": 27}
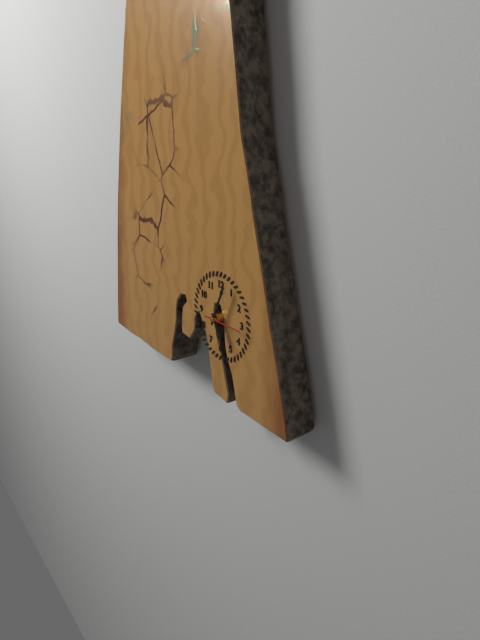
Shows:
{"hour": 5, "minute": 4}
